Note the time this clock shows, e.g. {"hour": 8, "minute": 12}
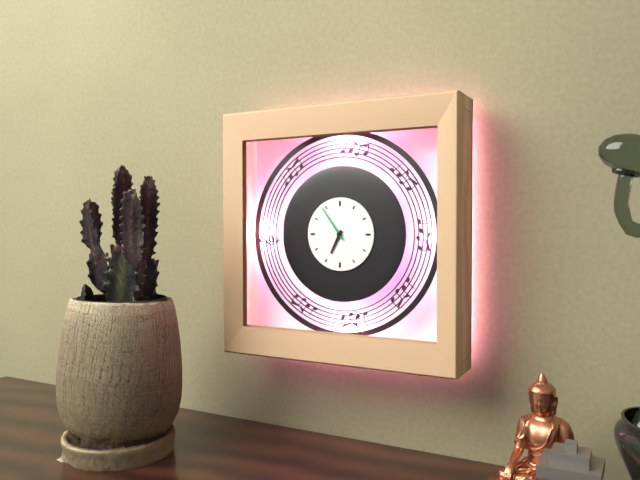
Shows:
{"hour": 6, "minute": 54}
